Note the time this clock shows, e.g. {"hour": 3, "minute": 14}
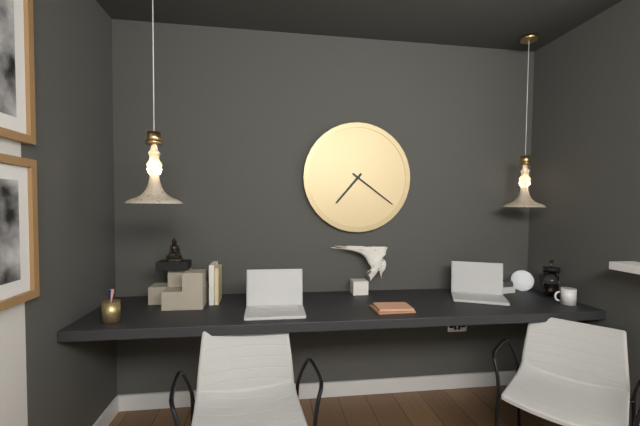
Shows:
{"hour": 7, "minute": 21}
